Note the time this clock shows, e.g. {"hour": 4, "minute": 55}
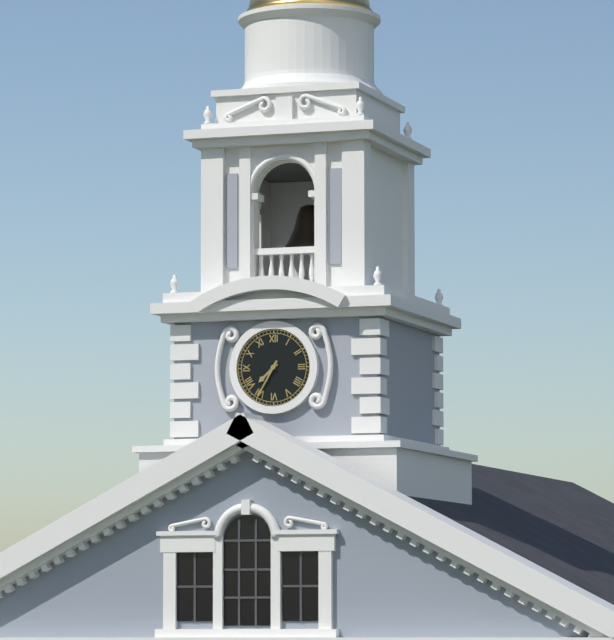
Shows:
{"hour": 7, "minute": 35}
